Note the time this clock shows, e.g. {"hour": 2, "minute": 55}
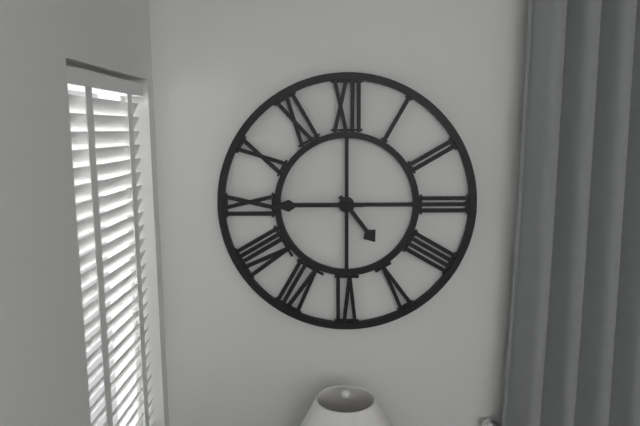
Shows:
{"hour": 4, "minute": 45}
